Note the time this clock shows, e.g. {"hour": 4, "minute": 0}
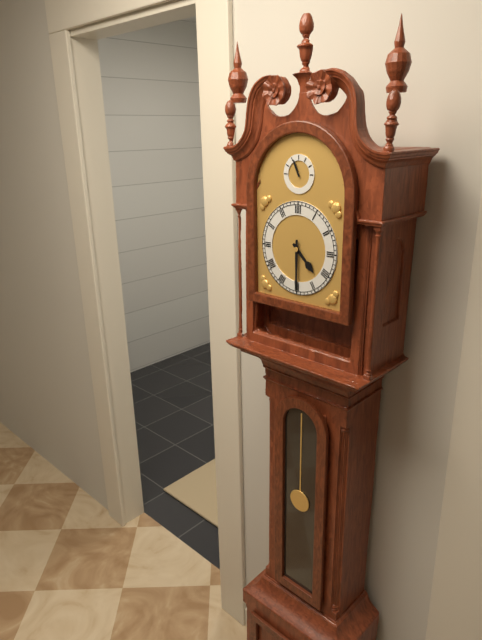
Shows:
{"hour": 4, "minute": 30}
